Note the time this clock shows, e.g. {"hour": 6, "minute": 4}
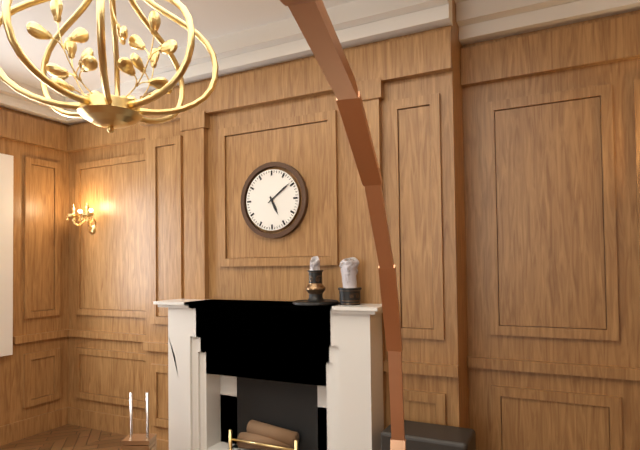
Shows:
{"hour": 5, "minute": 9}
